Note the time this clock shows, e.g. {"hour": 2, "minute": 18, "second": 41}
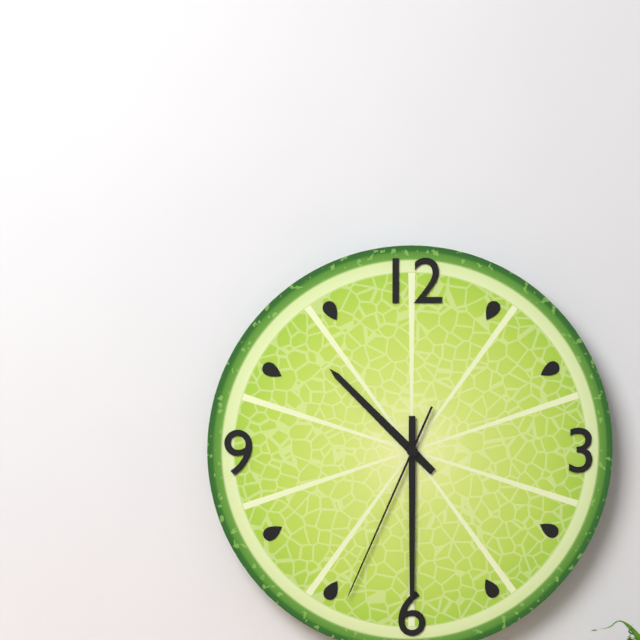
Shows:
{"hour": 10, "minute": 30, "second": 34}
